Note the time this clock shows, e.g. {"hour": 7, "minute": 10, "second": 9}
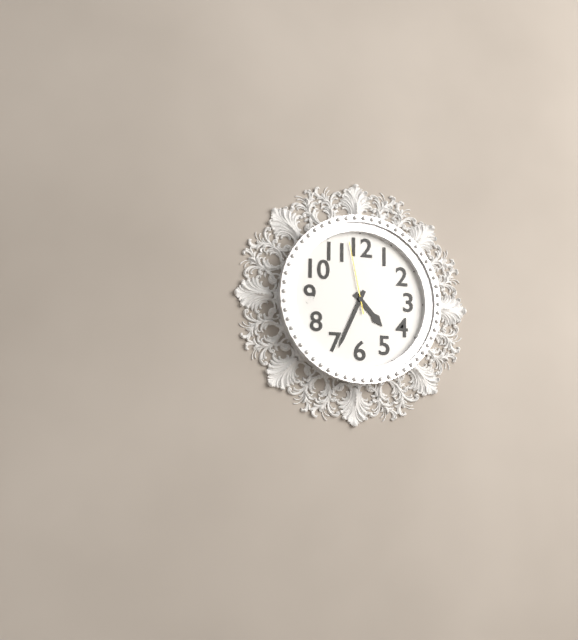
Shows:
{"hour": 4, "minute": 34, "second": 58}
